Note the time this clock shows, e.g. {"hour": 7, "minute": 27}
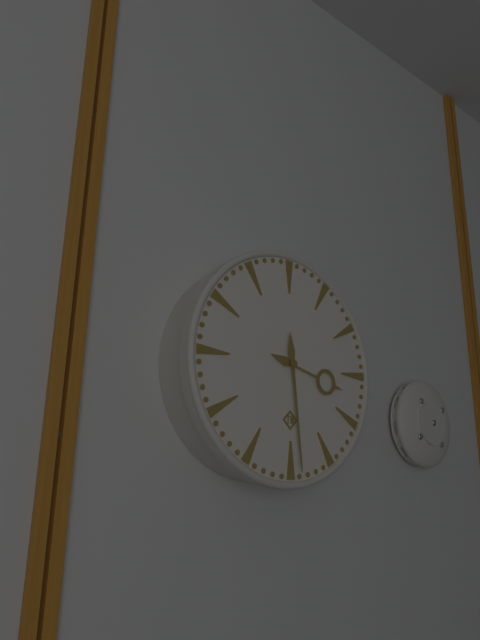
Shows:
{"hour": 3, "minute": 29}
